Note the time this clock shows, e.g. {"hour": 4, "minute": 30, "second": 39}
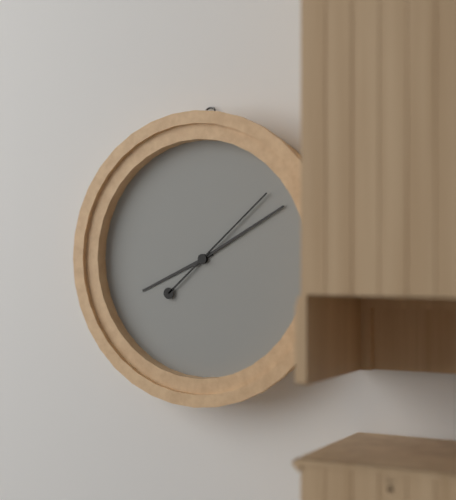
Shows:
{"hour": 8, "minute": 10, "second": 8}
